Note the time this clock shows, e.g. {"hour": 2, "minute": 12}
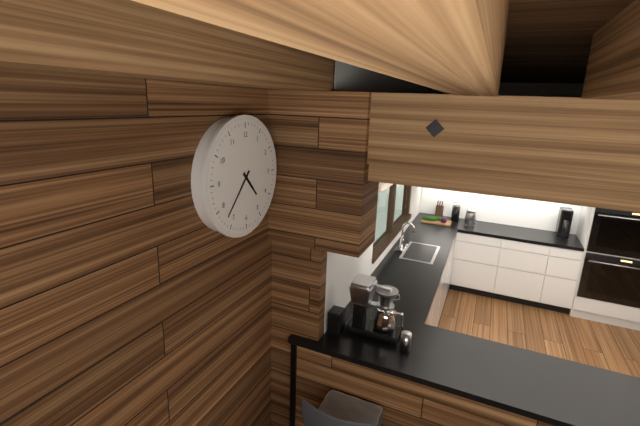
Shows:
{"hour": 4, "minute": 37}
